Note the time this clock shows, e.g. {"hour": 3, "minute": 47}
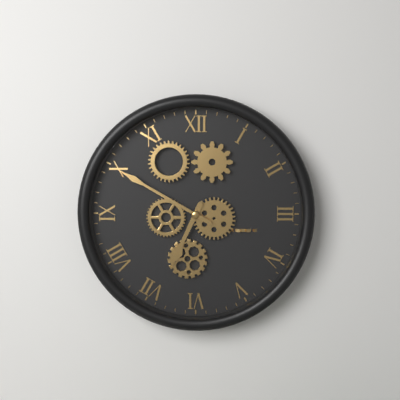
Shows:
{"hour": 6, "minute": 50}
